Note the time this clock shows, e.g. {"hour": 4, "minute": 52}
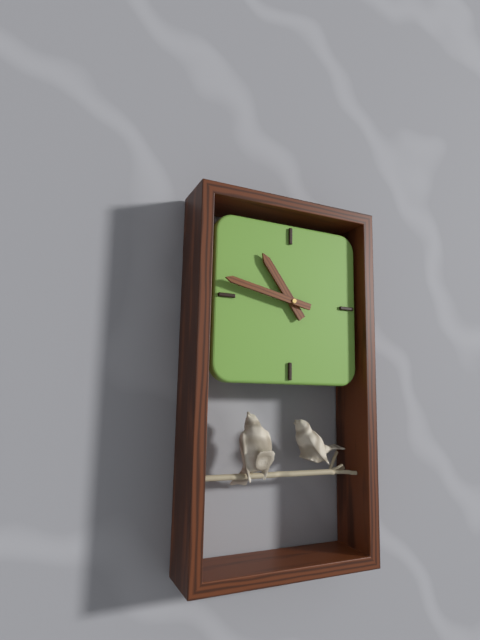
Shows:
{"hour": 10, "minute": 47}
